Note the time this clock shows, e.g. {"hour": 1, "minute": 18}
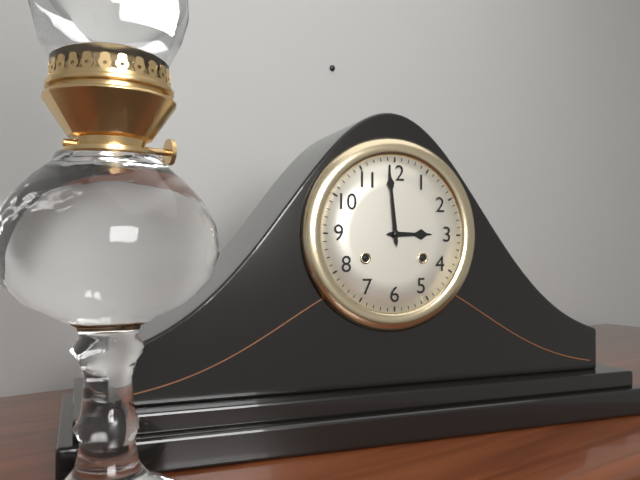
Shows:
{"hour": 2, "minute": 59}
